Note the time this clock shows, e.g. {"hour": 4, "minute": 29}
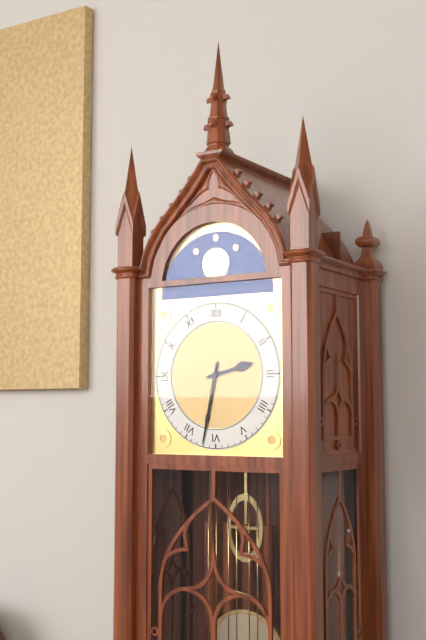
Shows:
{"hour": 2, "minute": 32}
